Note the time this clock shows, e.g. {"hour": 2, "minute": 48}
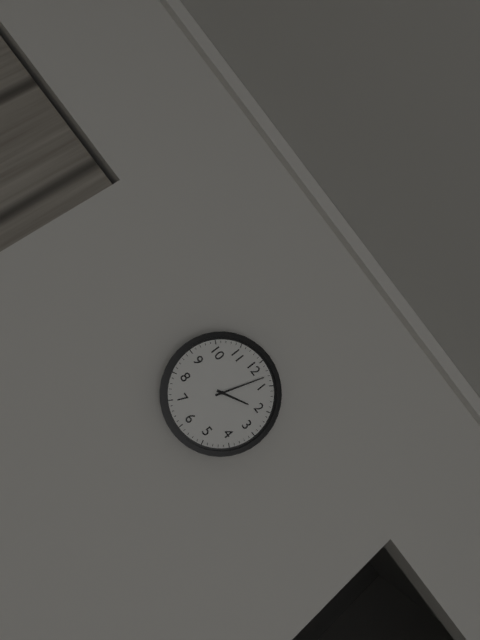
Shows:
{"hour": 2, "minute": 3}
